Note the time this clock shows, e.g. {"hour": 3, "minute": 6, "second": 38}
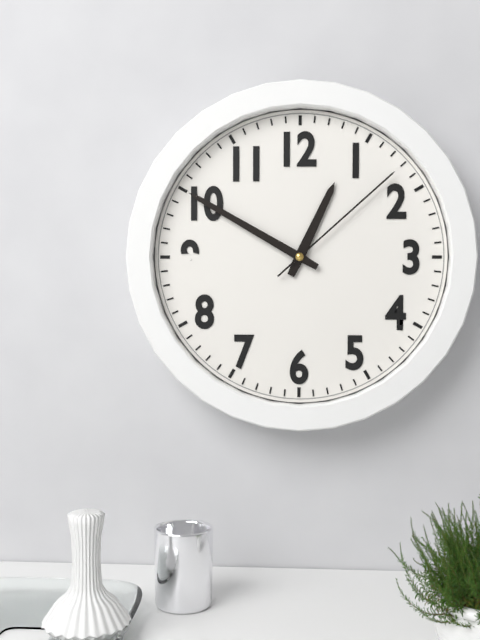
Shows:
{"hour": 12, "minute": 50, "second": 8}
